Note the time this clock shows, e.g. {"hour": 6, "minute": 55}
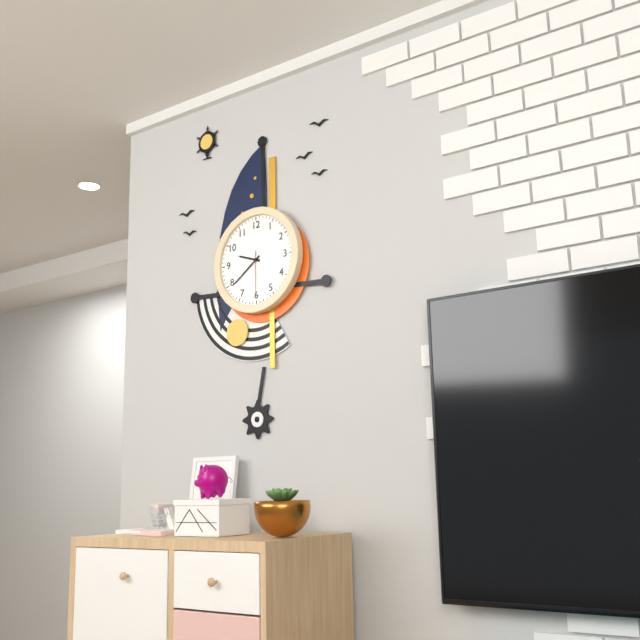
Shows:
{"hour": 9, "minute": 39}
